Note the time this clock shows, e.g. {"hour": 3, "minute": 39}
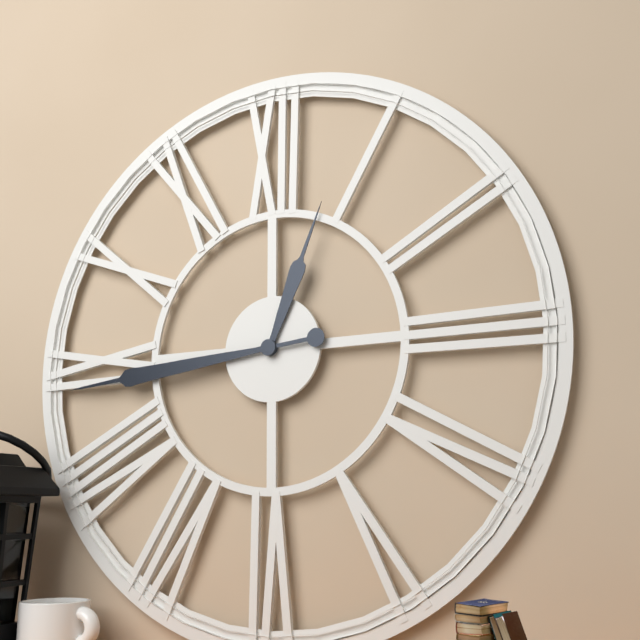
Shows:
{"hour": 12, "minute": 44}
